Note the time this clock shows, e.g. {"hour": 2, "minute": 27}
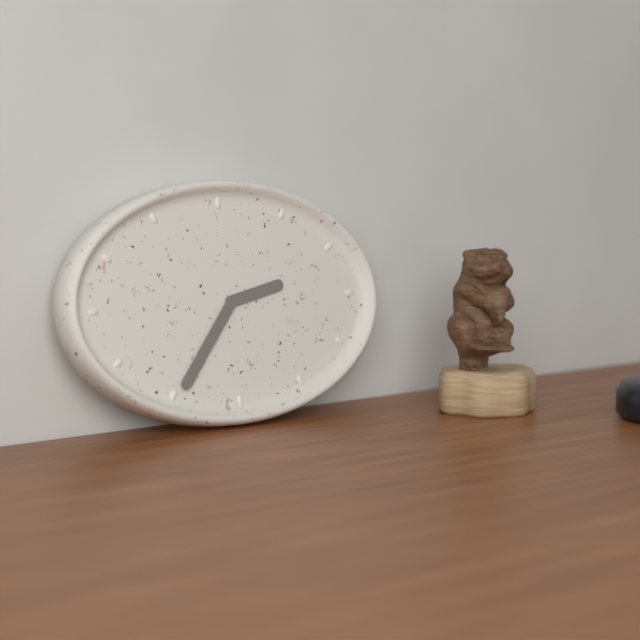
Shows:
{"hour": 2, "minute": 37}
